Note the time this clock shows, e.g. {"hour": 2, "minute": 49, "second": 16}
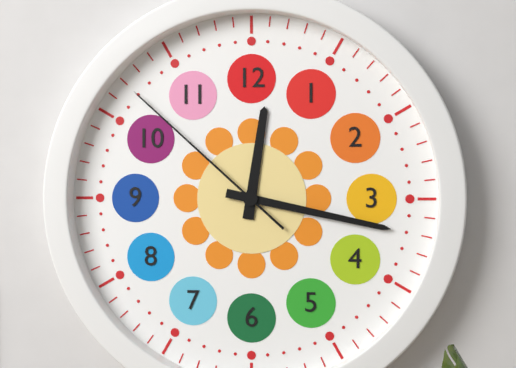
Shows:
{"hour": 12, "minute": 17, "second": 52}
